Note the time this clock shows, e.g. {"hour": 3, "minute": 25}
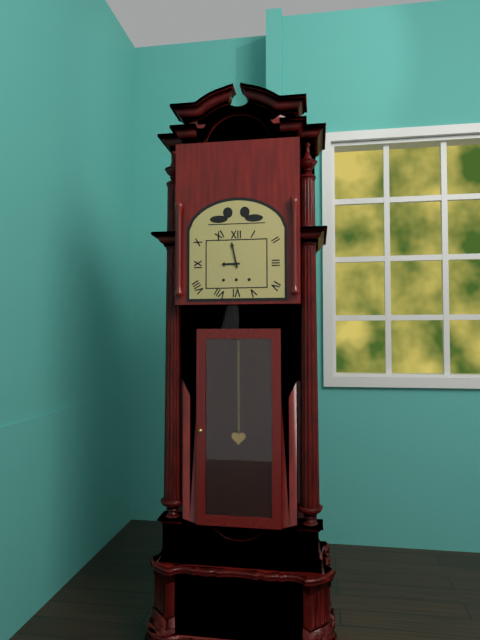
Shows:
{"hour": 8, "minute": 58}
